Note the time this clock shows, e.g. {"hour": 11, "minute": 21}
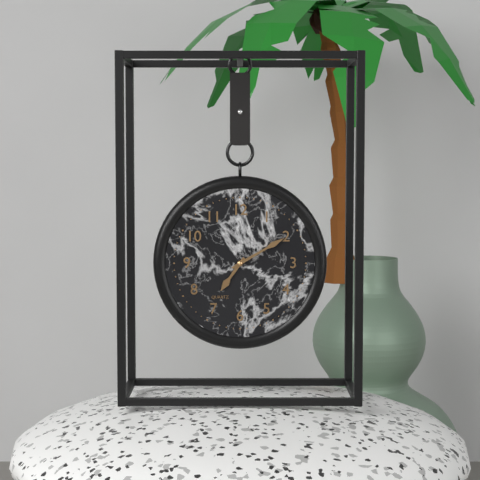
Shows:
{"hour": 7, "minute": 10}
